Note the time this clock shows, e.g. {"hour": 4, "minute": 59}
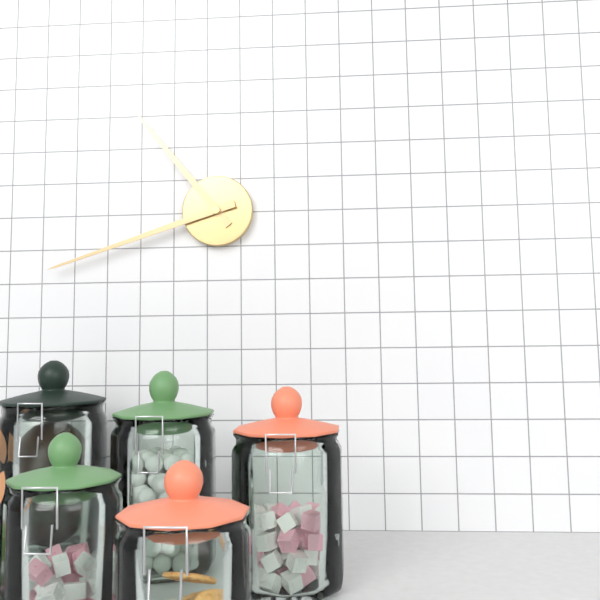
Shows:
{"hour": 10, "minute": 42}
